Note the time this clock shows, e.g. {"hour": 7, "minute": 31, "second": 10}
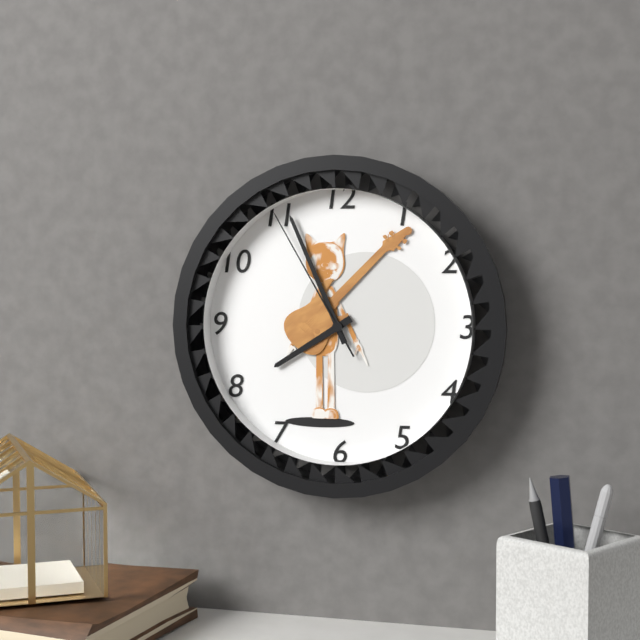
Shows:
{"hour": 7, "minute": 56, "second": 55}
